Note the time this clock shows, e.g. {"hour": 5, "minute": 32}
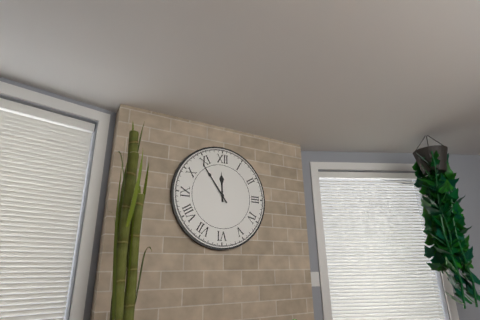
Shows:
{"hour": 11, "minute": 54}
